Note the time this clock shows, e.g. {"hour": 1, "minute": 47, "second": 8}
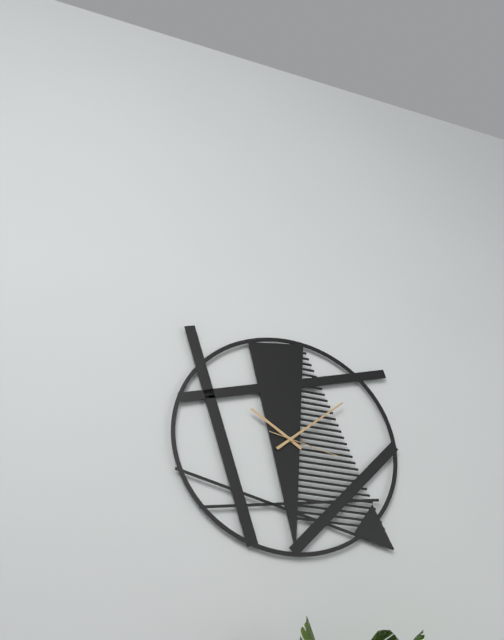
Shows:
{"hour": 10, "minute": 8, "second": 17}
